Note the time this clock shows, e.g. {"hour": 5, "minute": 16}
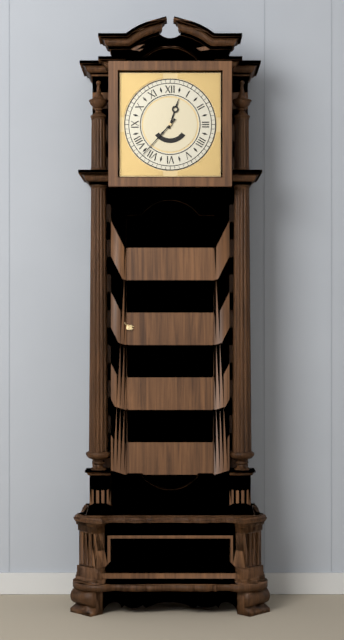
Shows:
{"hour": 12, "minute": 37}
